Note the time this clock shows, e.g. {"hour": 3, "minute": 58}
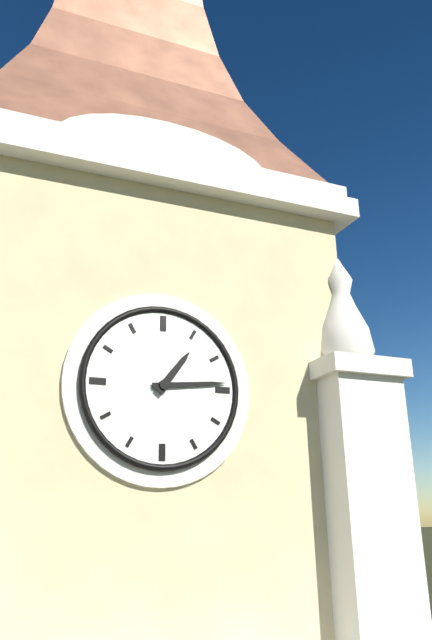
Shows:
{"hour": 1, "minute": 14}
